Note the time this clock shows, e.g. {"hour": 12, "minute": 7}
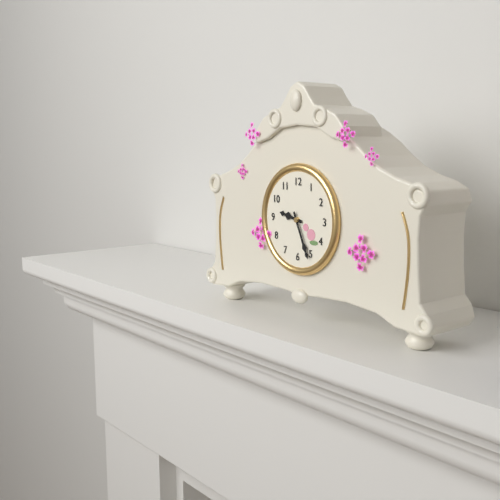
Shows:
{"hour": 9, "minute": 26}
